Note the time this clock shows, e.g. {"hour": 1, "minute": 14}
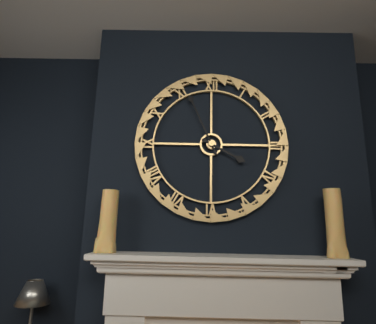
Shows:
{"hour": 3, "minute": 56}
